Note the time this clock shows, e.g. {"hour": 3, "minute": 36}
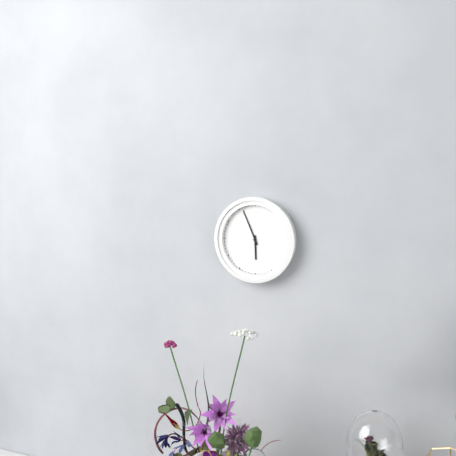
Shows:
{"hour": 5, "minute": 56}
